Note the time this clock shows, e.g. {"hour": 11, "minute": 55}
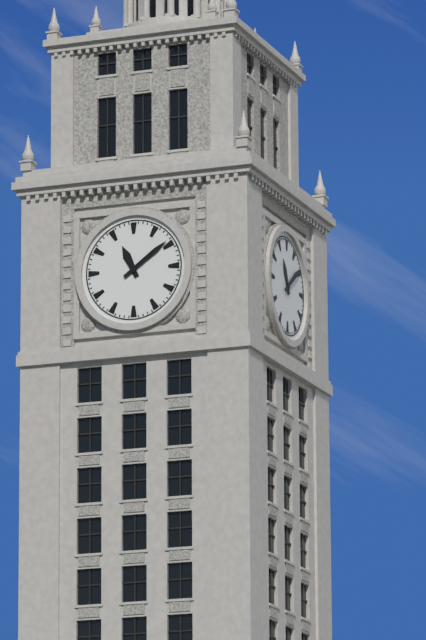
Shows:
{"hour": 11, "minute": 9}
